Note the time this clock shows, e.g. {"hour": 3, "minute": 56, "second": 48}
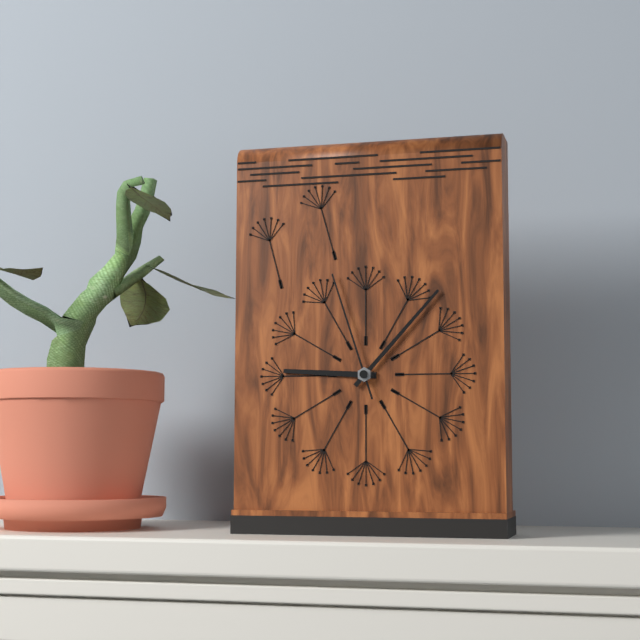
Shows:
{"hour": 9, "minute": 7, "second": 57}
